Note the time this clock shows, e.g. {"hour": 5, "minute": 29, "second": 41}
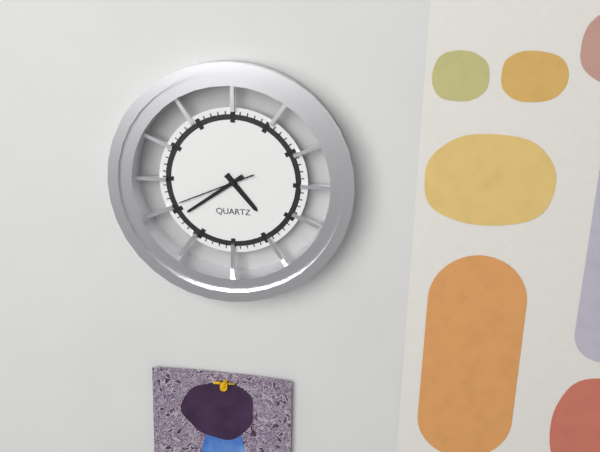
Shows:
{"hour": 4, "minute": 39, "second": 41}
